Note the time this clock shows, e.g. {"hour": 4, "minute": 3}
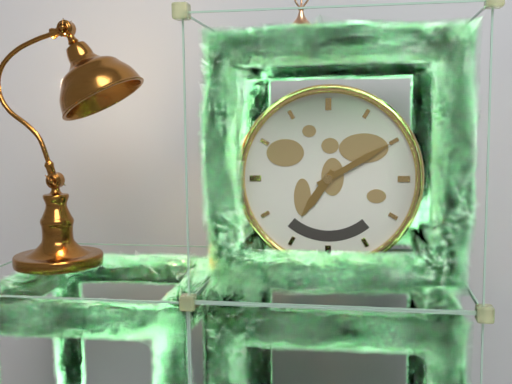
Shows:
{"hour": 7, "minute": 10}
